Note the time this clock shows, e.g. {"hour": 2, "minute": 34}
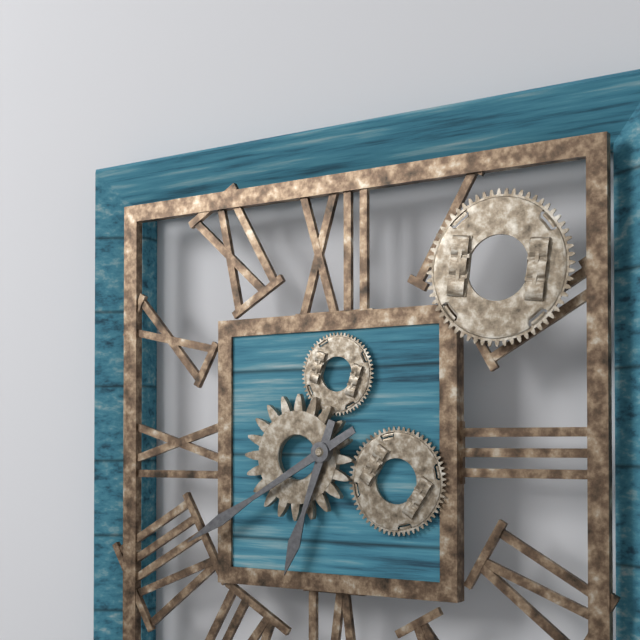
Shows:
{"hour": 6, "minute": 40}
